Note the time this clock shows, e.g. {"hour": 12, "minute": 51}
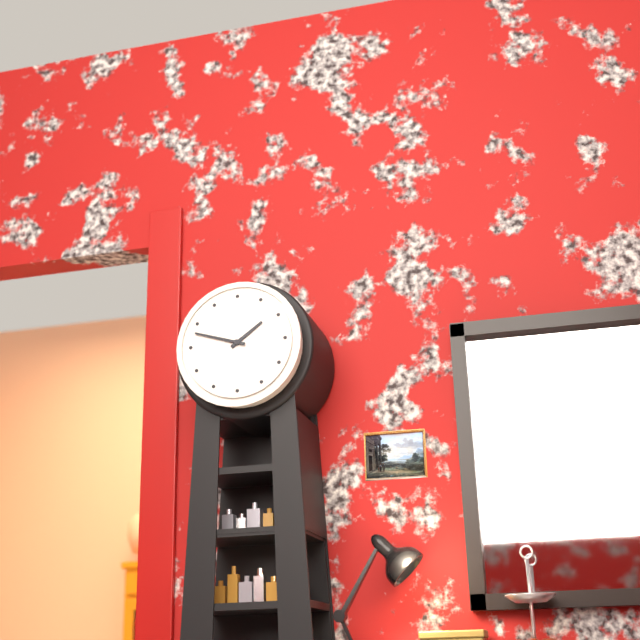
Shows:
{"hour": 1, "minute": 48}
